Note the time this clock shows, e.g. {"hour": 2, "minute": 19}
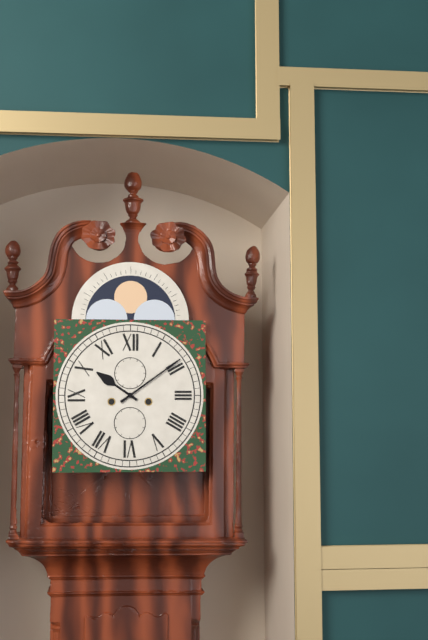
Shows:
{"hour": 10, "minute": 9}
